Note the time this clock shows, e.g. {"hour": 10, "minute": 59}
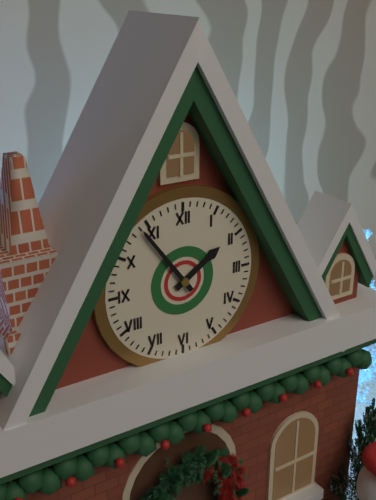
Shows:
{"hour": 1, "minute": 54}
